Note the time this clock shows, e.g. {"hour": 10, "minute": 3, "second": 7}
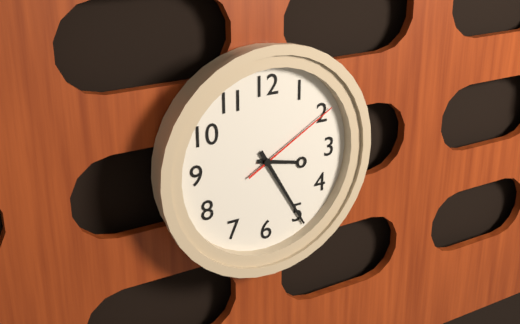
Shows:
{"hour": 3, "minute": 25, "second": 10}
